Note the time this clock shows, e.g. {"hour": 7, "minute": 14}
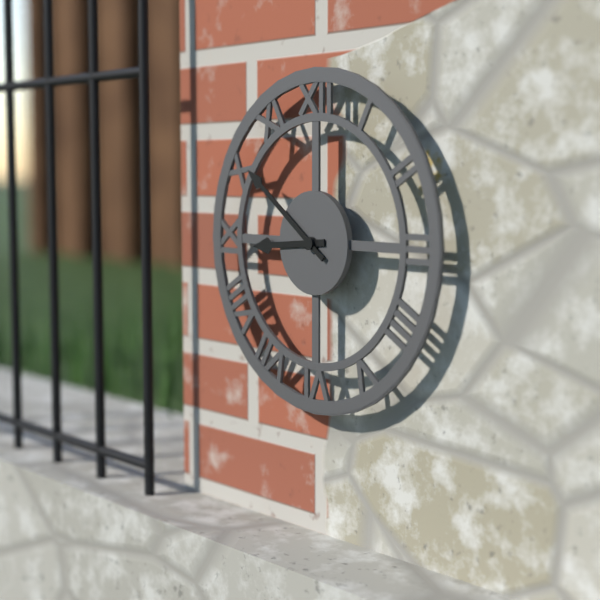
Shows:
{"hour": 8, "minute": 51}
